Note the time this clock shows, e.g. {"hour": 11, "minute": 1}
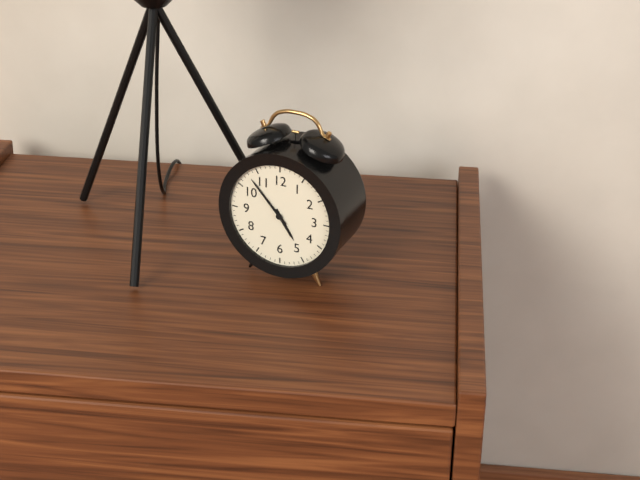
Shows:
{"hour": 4, "minute": 53}
